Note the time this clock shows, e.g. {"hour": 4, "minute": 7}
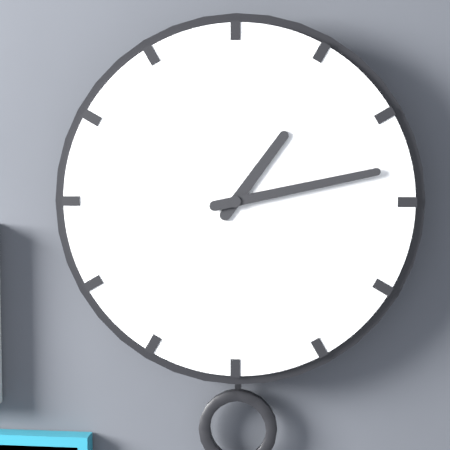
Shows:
{"hour": 1, "minute": 13}
